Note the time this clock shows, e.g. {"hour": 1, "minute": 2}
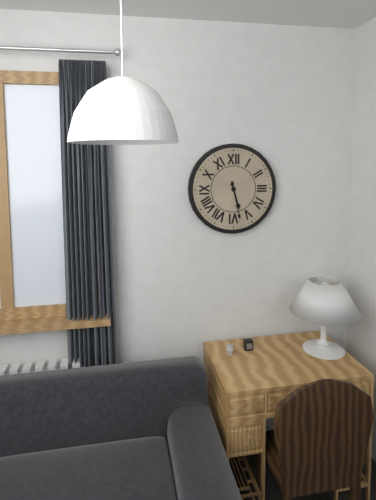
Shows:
{"hour": 5, "minute": 28}
